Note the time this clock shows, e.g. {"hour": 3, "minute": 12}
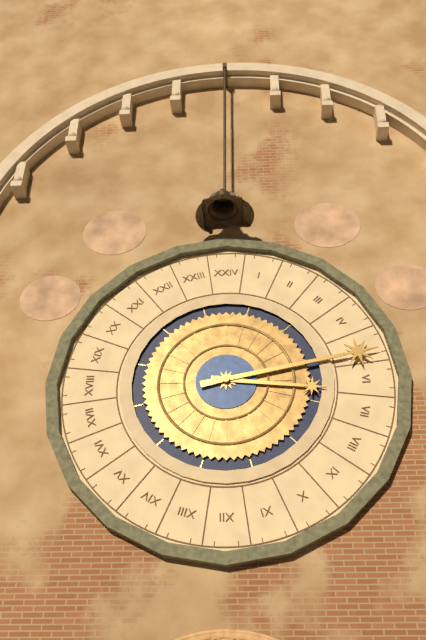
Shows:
{"hour": 3, "minute": 13}
